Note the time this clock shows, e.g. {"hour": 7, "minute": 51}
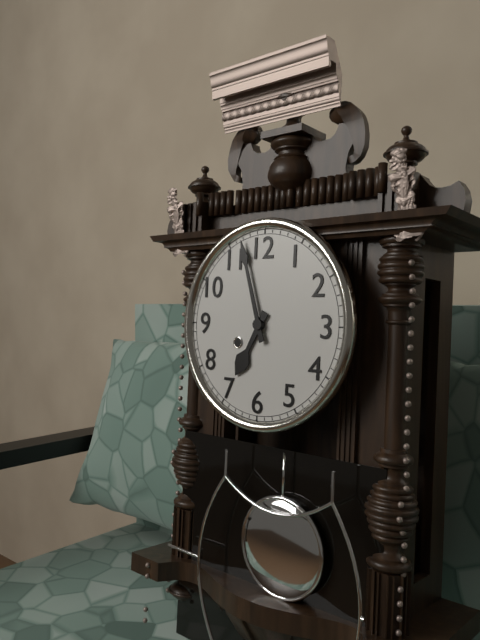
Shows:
{"hour": 6, "minute": 57}
